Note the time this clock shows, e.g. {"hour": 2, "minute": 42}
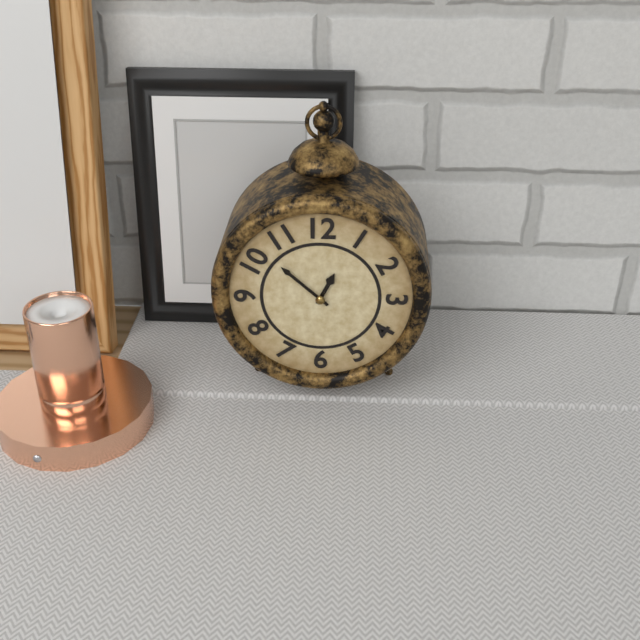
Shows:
{"hour": 12, "minute": 52}
